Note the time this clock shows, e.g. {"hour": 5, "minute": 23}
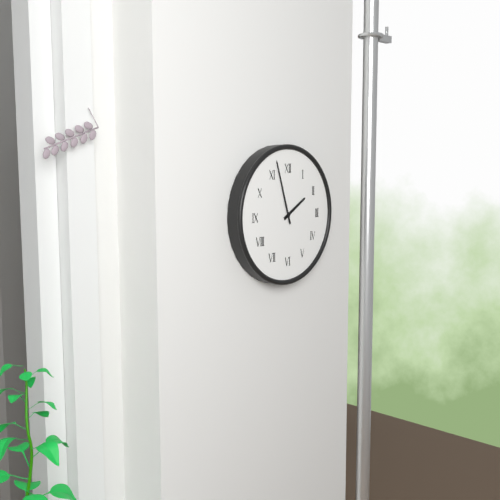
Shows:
{"hour": 1, "minute": 57}
